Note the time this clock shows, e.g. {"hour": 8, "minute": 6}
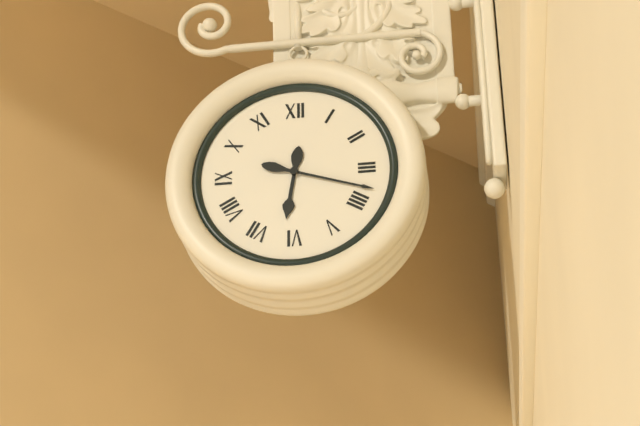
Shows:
{"hour": 6, "minute": 18}
